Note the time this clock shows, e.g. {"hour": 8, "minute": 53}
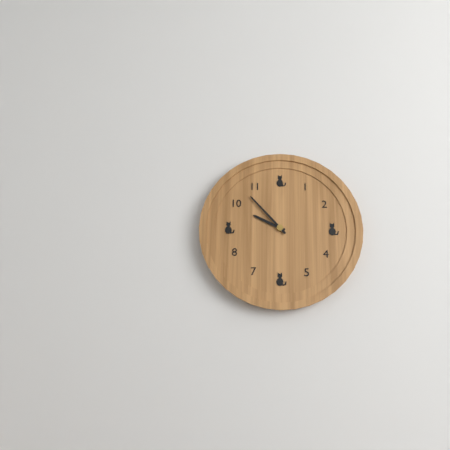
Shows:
{"hour": 9, "minute": 53}
